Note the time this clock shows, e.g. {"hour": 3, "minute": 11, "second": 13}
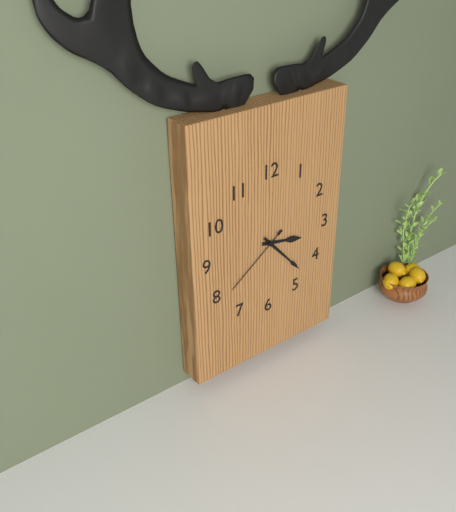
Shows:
{"hour": 3, "minute": 23, "second": 39}
